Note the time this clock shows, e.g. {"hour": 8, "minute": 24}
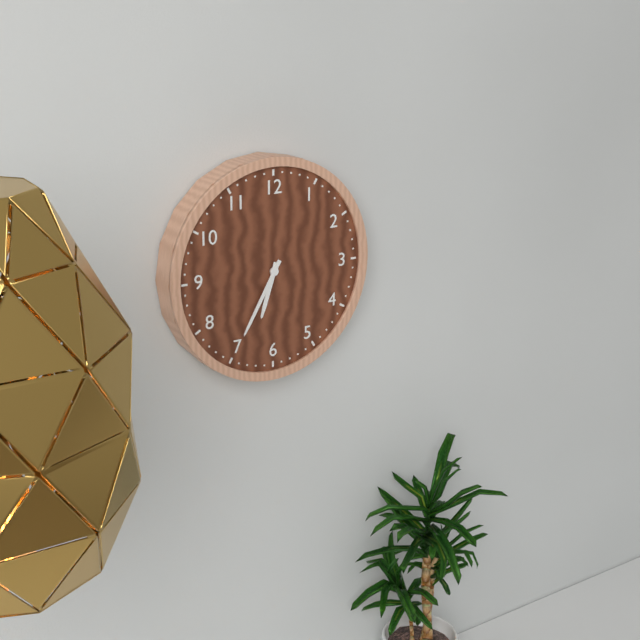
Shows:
{"hour": 6, "minute": 35}
